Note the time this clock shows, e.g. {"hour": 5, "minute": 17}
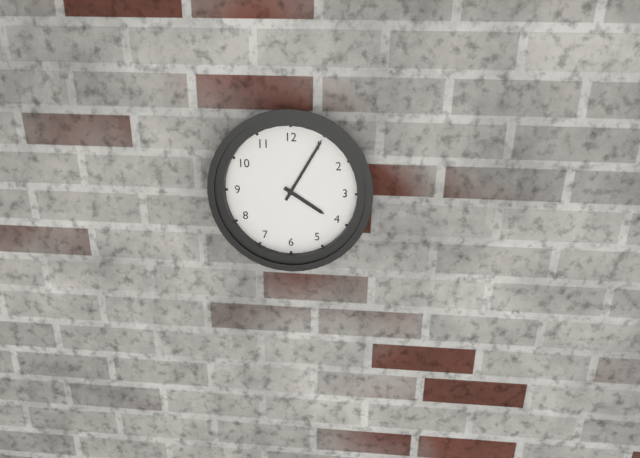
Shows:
{"hour": 4, "minute": 5}
